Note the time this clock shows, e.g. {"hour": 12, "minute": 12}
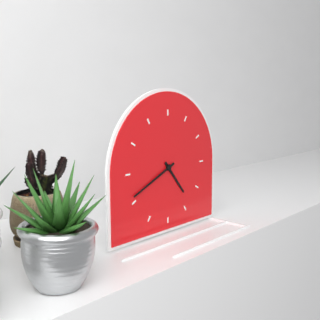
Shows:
{"hour": 4, "minute": 41}
